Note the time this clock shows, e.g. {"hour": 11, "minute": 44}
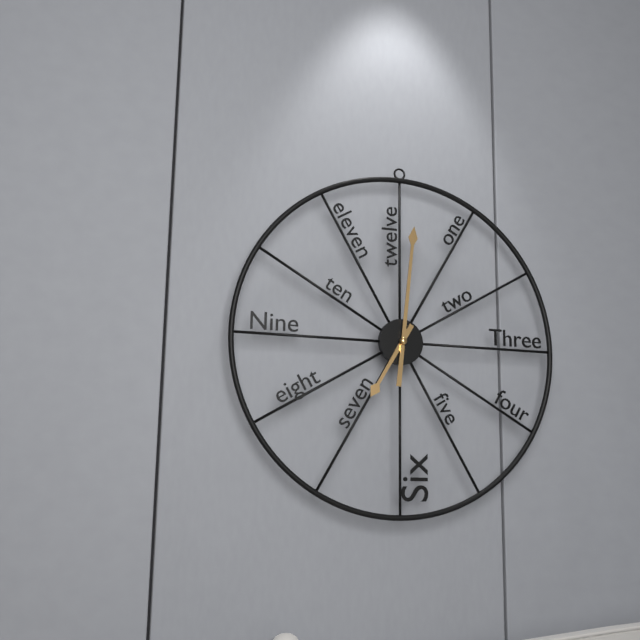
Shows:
{"hour": 7, "minute": 1}
